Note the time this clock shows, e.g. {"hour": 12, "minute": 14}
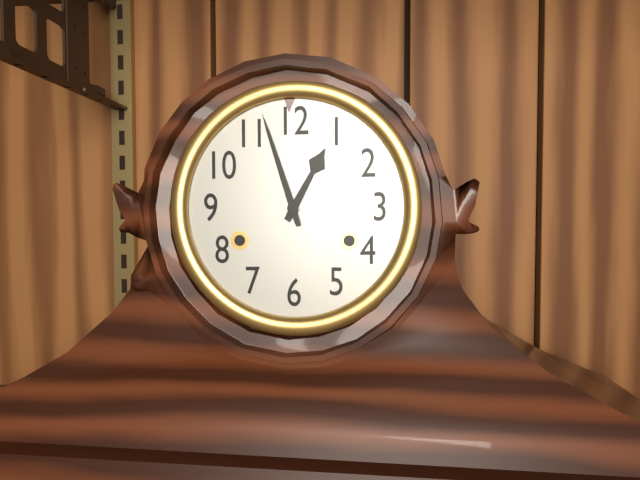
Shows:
{"hour": 12, "minute": 57}
